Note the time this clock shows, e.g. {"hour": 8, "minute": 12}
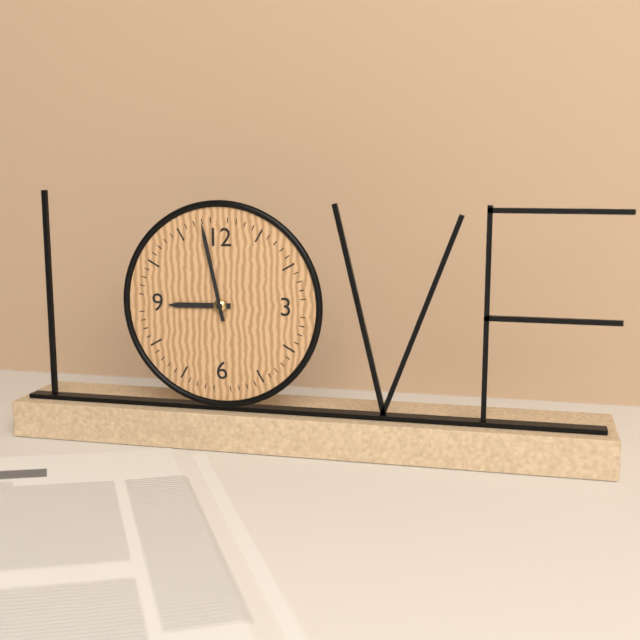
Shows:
{"hour": 8, "minute": 58}
